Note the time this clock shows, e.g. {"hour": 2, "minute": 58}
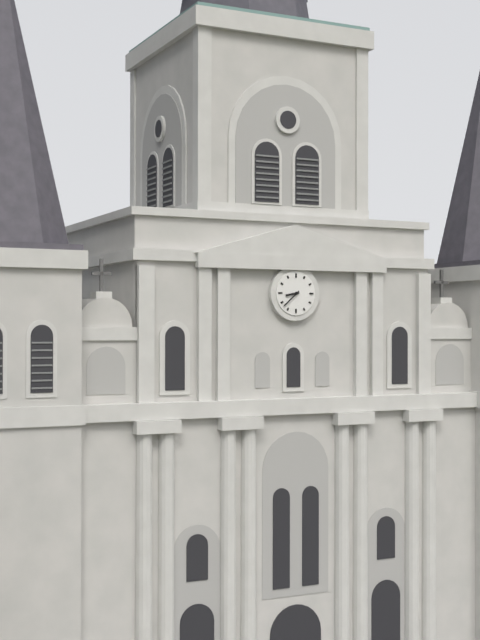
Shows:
{"hour": 8, "minute": 38}
